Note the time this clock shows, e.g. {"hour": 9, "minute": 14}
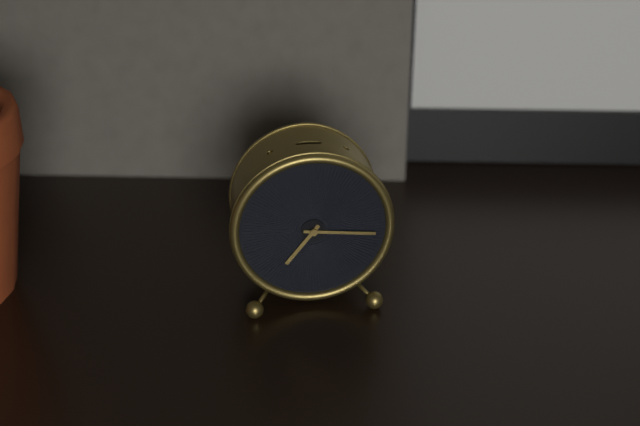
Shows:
{"hour": 7, "minute": 16}
